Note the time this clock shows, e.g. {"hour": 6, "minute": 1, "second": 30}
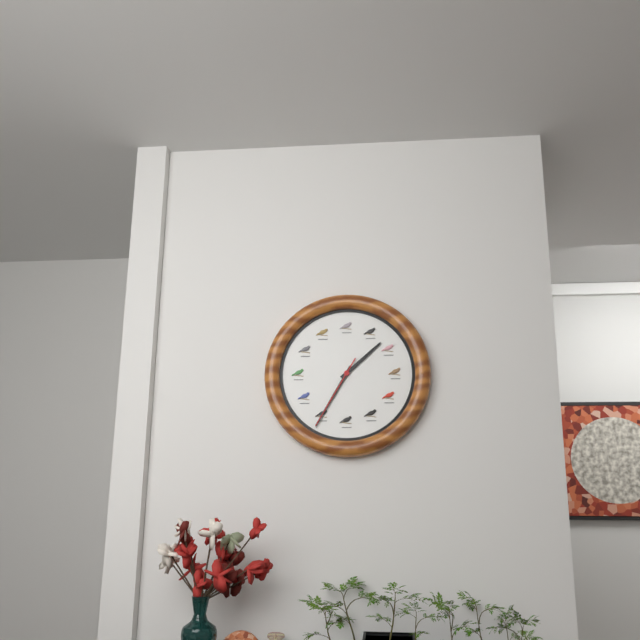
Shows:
{"hour": 1, "minute": 35, "second": 35}
